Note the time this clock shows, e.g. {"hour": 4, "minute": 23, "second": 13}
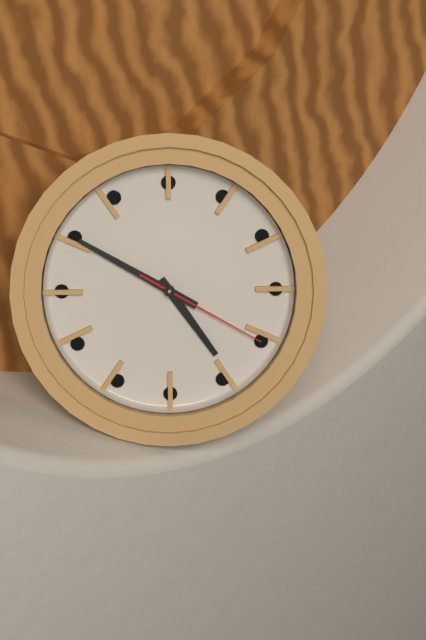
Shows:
{"hour": 4, "minute": 50, "second": 20}
